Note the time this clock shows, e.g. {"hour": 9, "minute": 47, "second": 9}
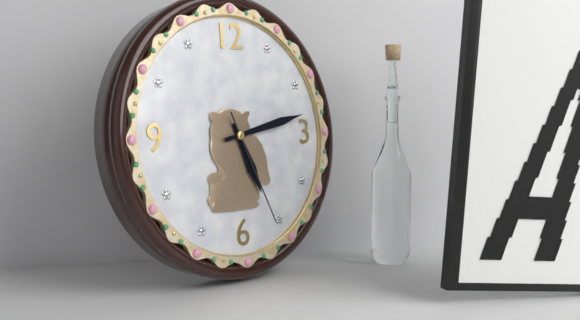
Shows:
{"hour": 5, "minute": 13, "second": 26}
